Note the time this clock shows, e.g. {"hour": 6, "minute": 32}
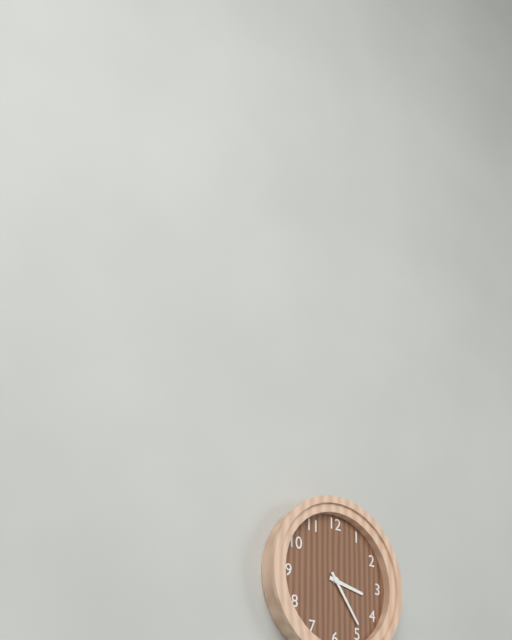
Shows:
{"hour": 3, "minute": 24}
